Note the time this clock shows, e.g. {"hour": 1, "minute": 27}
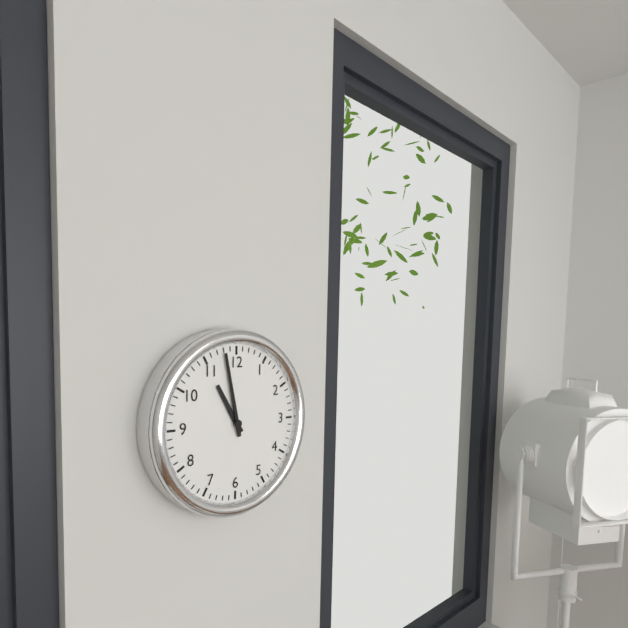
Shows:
{"hour": 10, "minute": 58}
